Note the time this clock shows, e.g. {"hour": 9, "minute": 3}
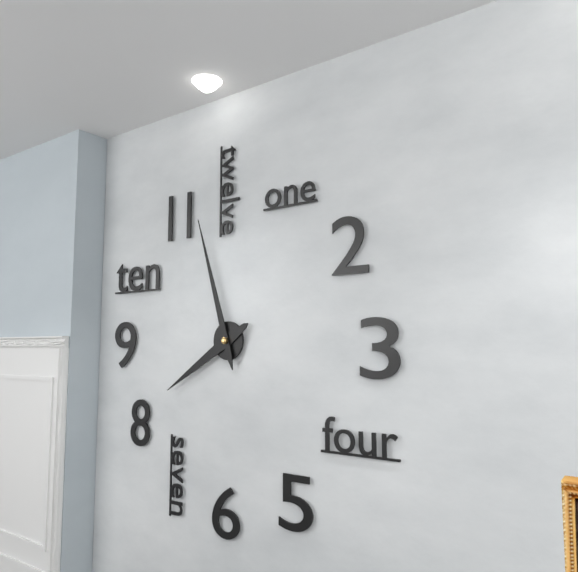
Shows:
{"hour": 7, "minute": 57}
